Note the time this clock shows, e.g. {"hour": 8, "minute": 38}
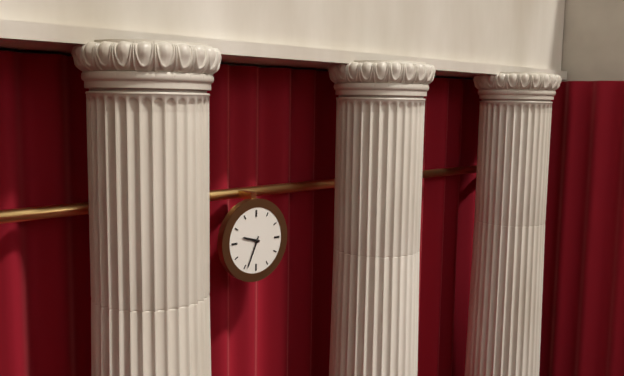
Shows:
{"hour": 9, "minute": 34}
